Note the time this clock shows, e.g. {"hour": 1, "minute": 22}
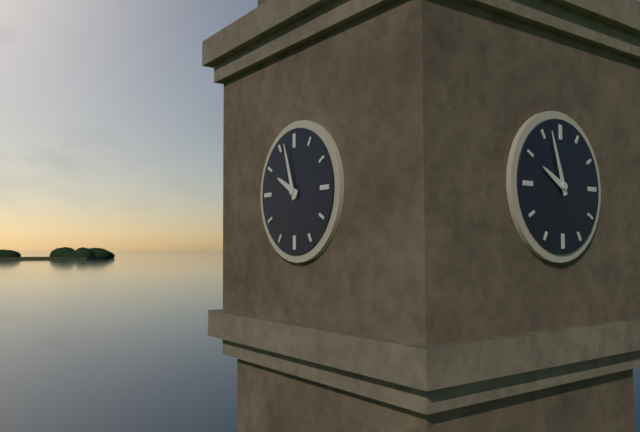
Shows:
{"hour": 9, "minute": 57}
